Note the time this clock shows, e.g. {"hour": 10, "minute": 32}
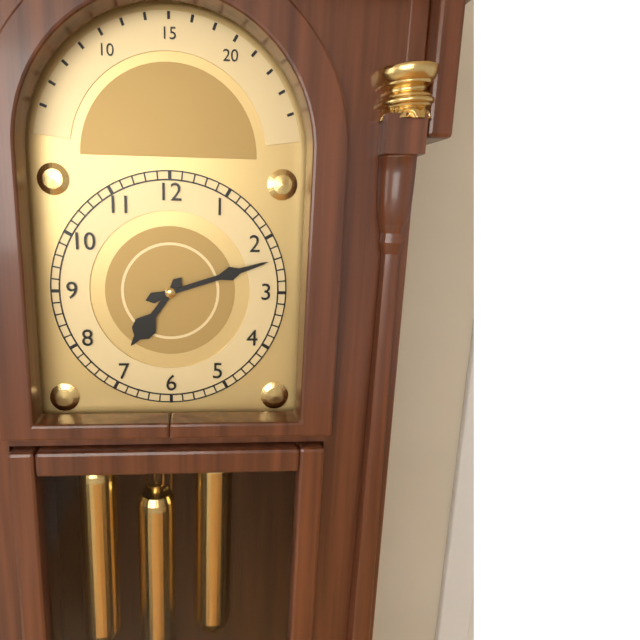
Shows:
{"hour": 7, "minute": 12}
